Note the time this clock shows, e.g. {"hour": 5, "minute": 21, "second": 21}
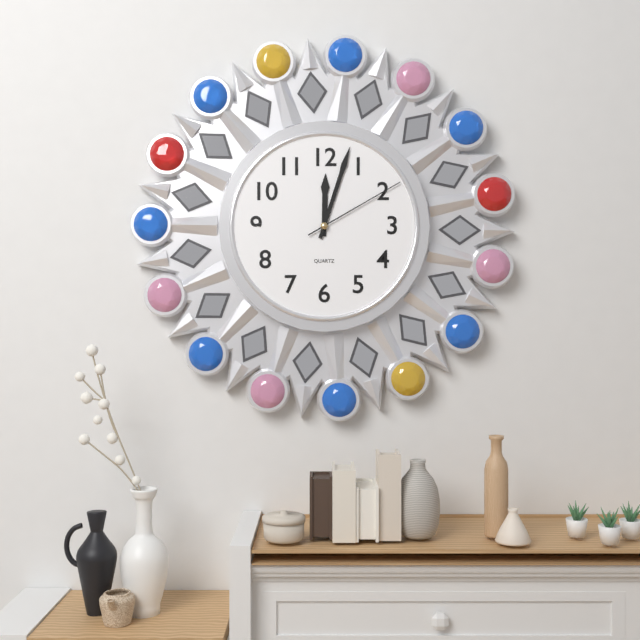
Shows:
{"hour": 12, "minute": 3, "second": 10}
